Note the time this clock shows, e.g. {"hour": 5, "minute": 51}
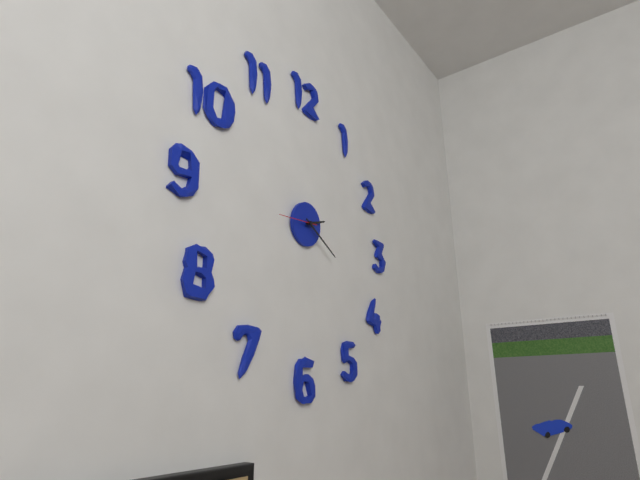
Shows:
{"hour": 2, "minute": 20}
